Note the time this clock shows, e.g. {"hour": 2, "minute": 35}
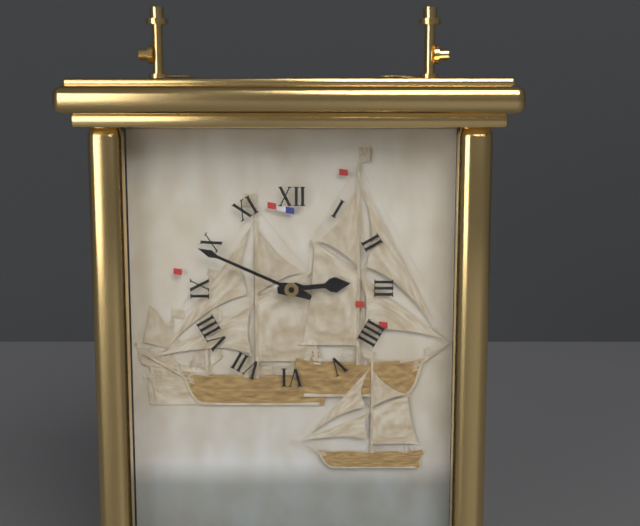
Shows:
{"hour": 2, "minute": 49}
